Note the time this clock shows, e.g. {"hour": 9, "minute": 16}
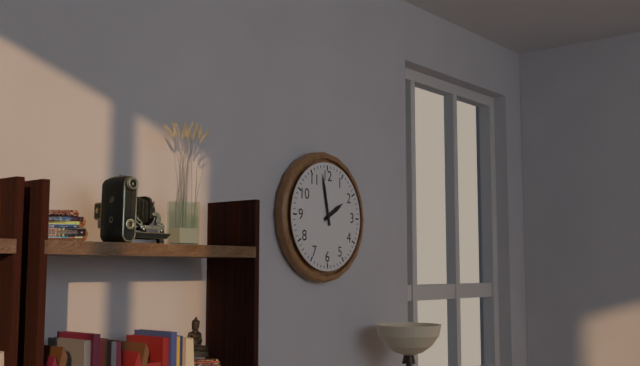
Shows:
{"hour": 1, "minute": 58}
